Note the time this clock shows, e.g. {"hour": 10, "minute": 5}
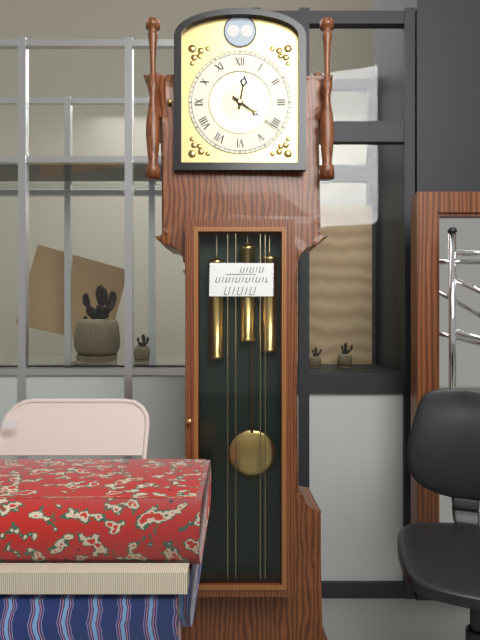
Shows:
{"hour": 12, "minute": 21}
